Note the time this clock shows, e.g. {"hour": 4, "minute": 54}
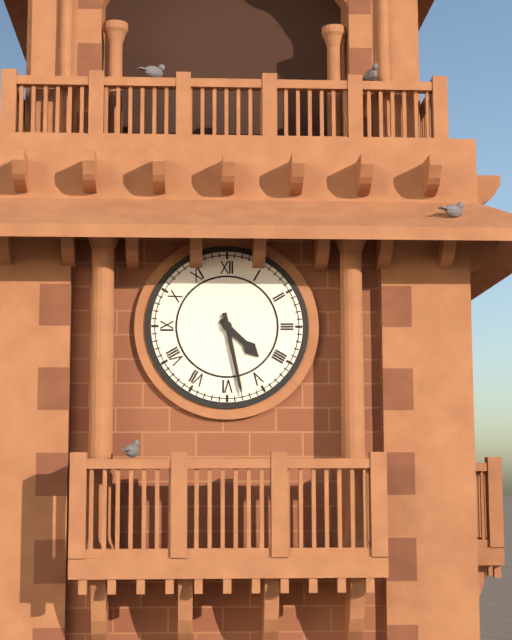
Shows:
{"hour": 4, "minute": 28}
